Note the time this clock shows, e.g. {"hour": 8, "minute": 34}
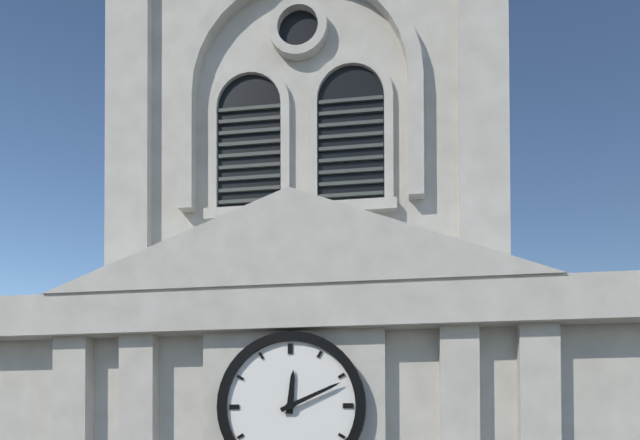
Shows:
{"hour": 12, "minute": 11}
